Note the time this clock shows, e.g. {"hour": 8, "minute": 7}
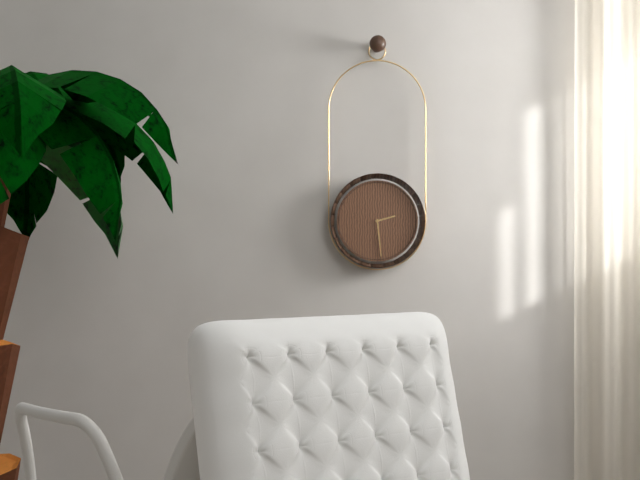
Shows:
{"hour": 2, "minute": 29}
